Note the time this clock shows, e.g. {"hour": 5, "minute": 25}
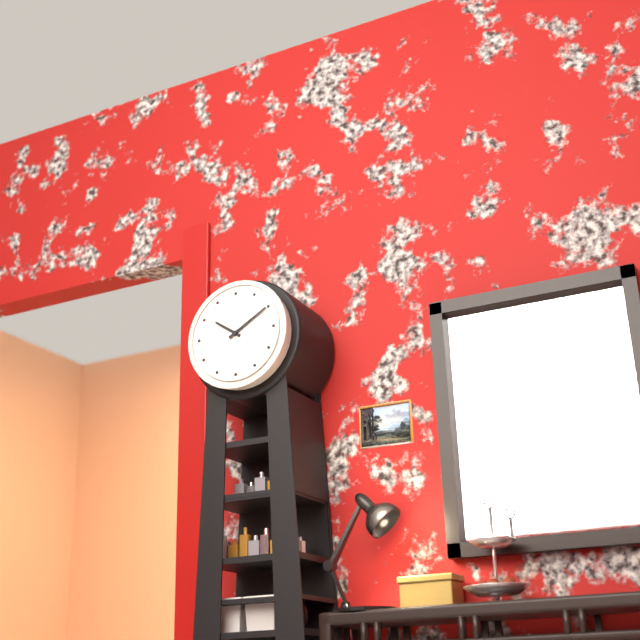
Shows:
{"hour": 10, "minute": 10}
